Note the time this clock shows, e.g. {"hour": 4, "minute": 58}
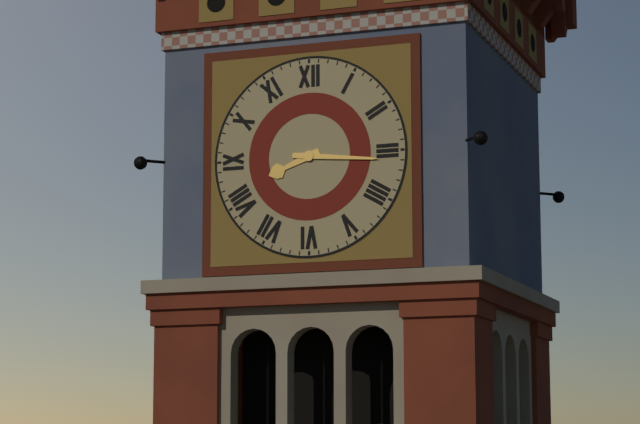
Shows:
{"hour": 8, "minute": 16}
